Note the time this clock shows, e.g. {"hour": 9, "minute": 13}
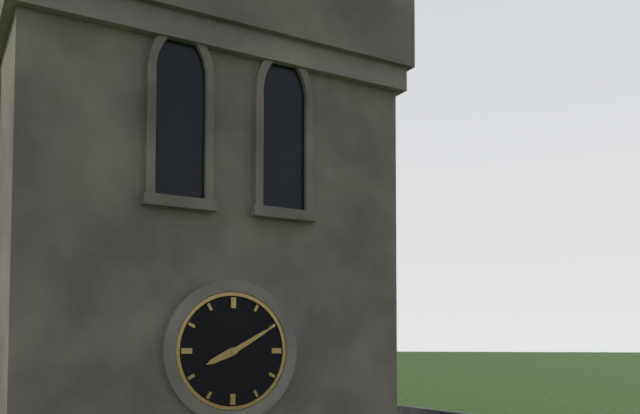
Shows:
{"hour": 8, "minute": 10}
